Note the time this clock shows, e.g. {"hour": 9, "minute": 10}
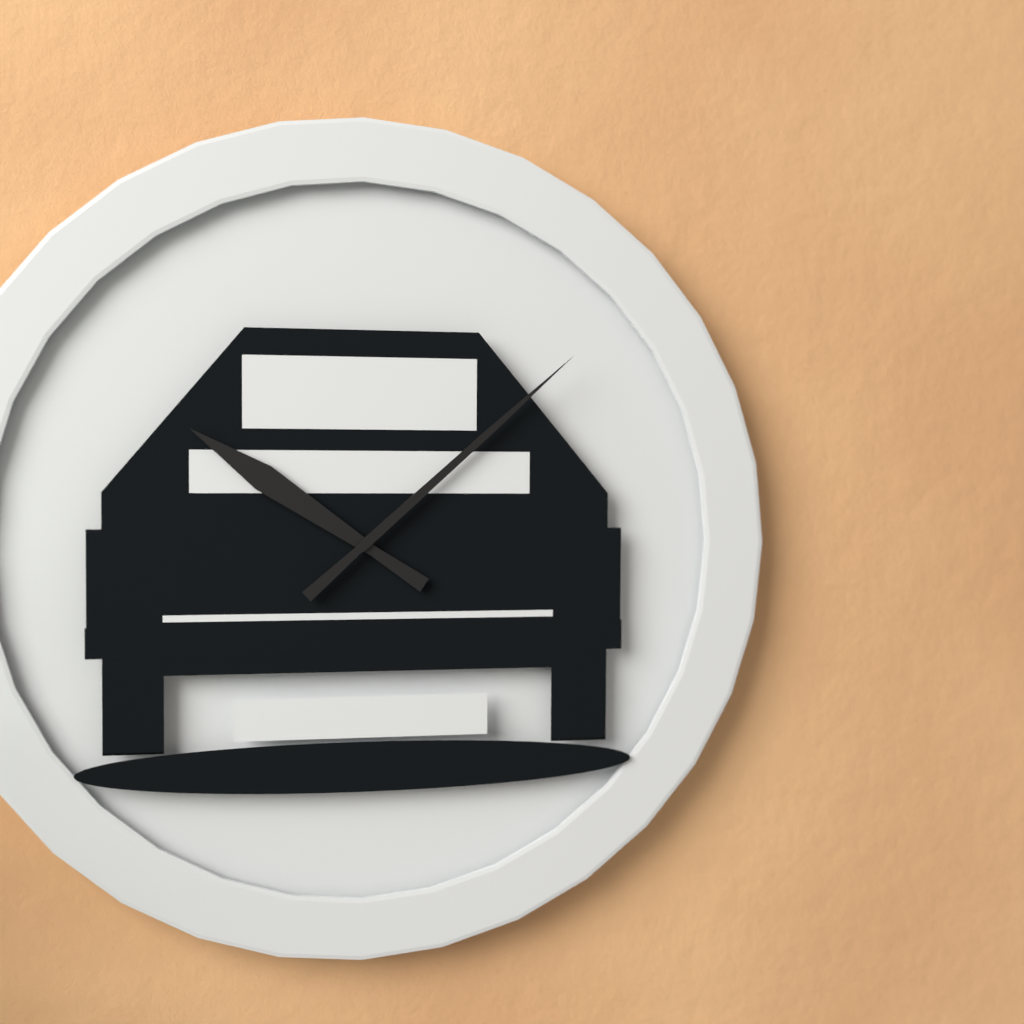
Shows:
{"hour": 10, "minute": 8}
